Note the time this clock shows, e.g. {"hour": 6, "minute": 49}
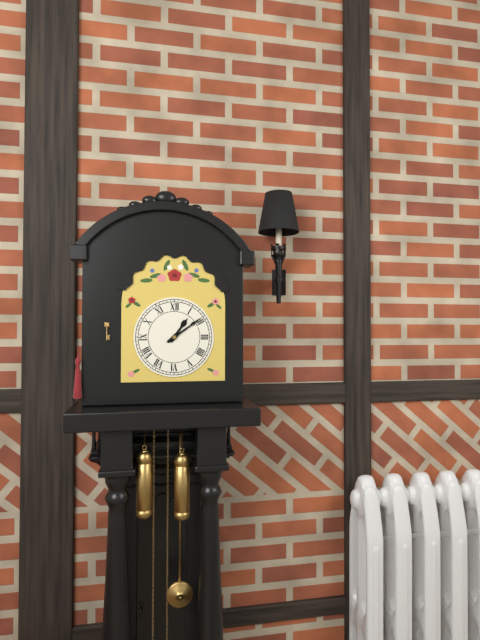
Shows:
{"hour": 1, "minute": 9}
